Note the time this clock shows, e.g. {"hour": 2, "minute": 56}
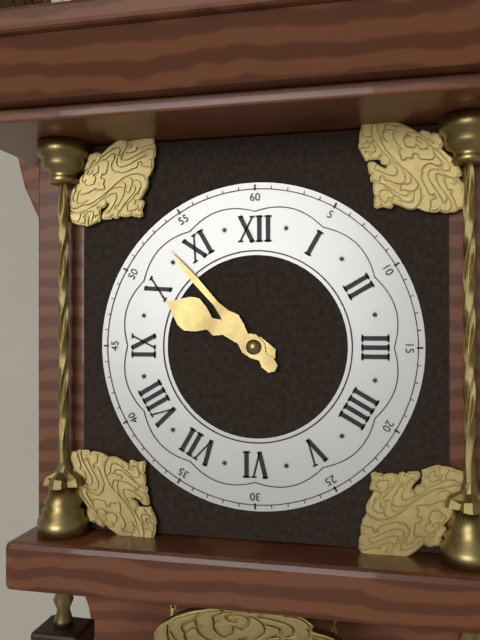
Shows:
{"hour": 9, "minute": 53}
